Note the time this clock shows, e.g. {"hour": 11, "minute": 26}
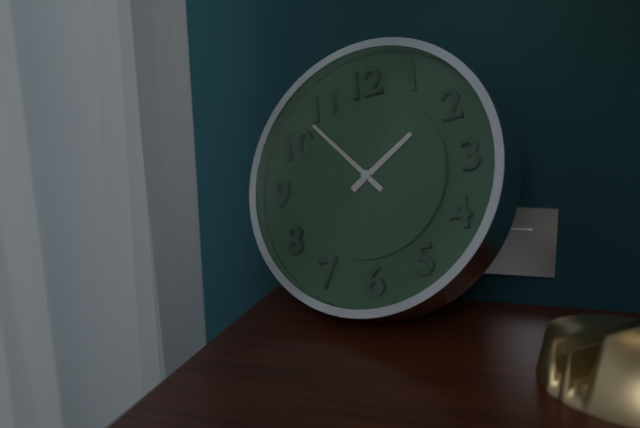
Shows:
{"hour": 1, "minute": 53}
